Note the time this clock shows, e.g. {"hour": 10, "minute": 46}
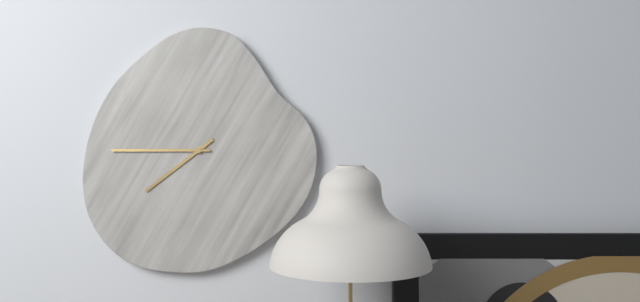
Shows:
{"hour": 7, "minute": 45}
